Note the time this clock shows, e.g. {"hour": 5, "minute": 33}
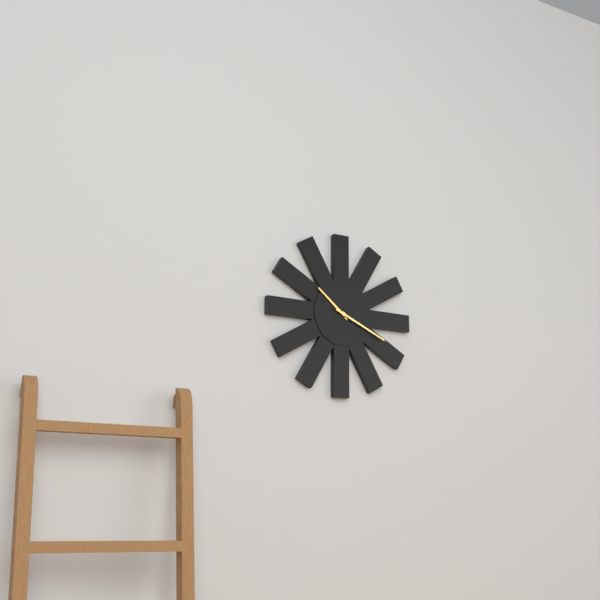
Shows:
{"hour": 10, "minute": 19}
